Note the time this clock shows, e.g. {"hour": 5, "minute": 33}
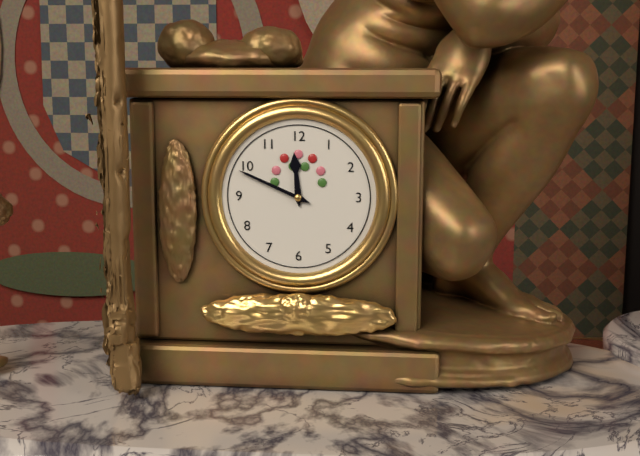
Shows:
{"hour": 11, "minute": 49}
